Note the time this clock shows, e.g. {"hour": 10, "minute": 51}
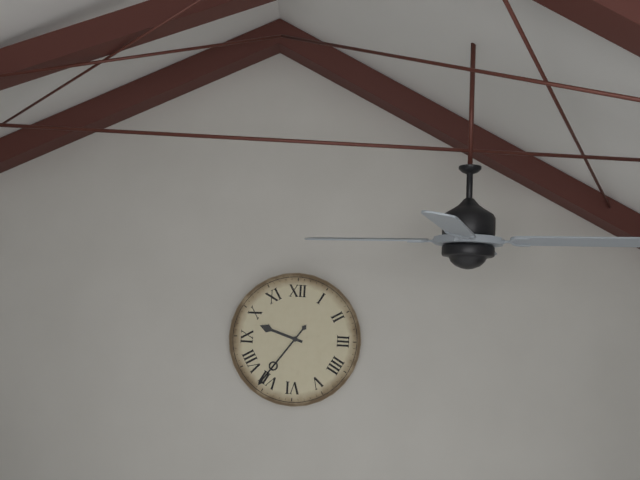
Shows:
{"hour": 9, "minute": 36}
